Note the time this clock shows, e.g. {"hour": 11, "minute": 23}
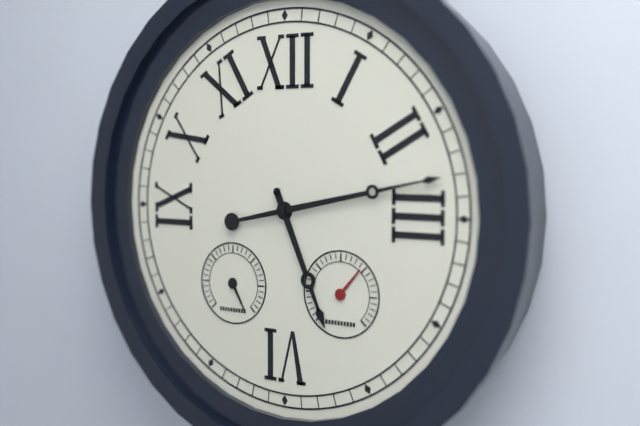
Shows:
{"hour": 5, "minute": 13}
